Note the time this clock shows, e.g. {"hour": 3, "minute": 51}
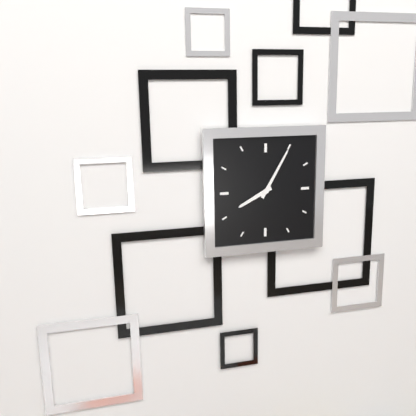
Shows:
{"hour": 8, "minute": 5}
